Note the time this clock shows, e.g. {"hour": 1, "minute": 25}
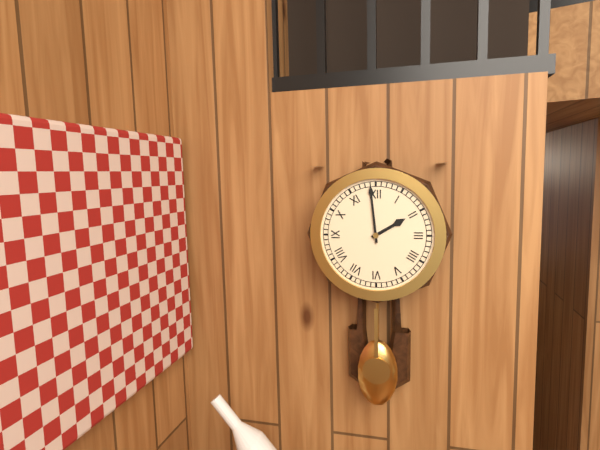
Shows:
{"hour": 1, "minute": 59}
